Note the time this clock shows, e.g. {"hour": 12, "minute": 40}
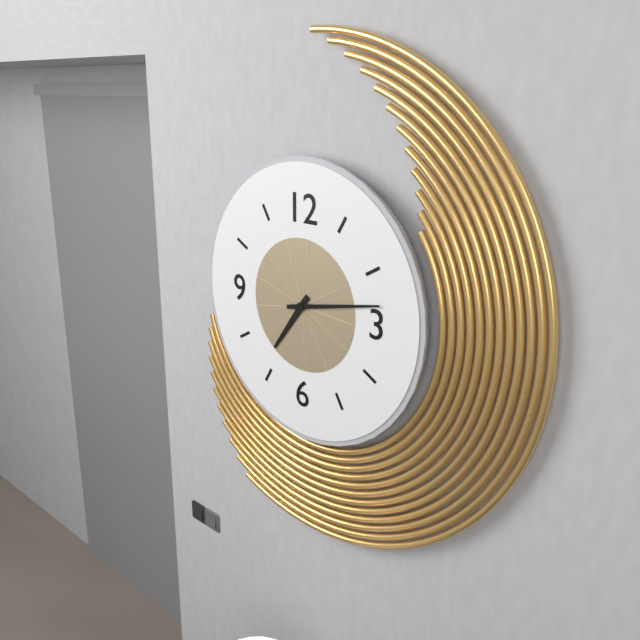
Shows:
{"hour": 7, "minute": 13}
